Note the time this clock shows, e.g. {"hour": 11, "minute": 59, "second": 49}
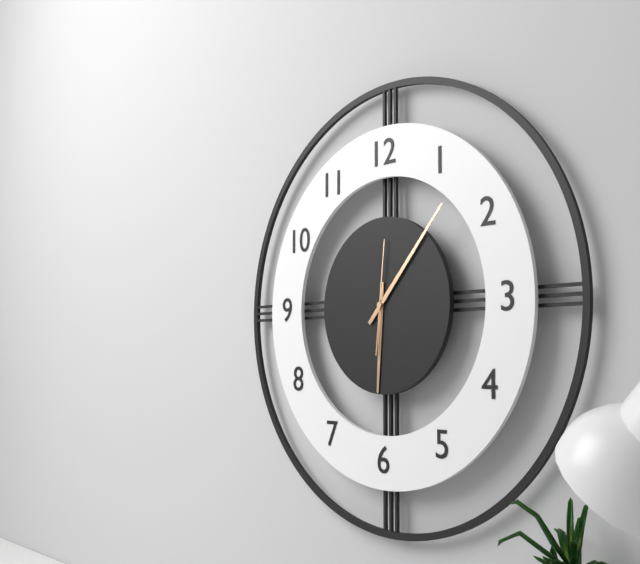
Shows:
{"hour": 6, "minute": 7, "second": 1}
